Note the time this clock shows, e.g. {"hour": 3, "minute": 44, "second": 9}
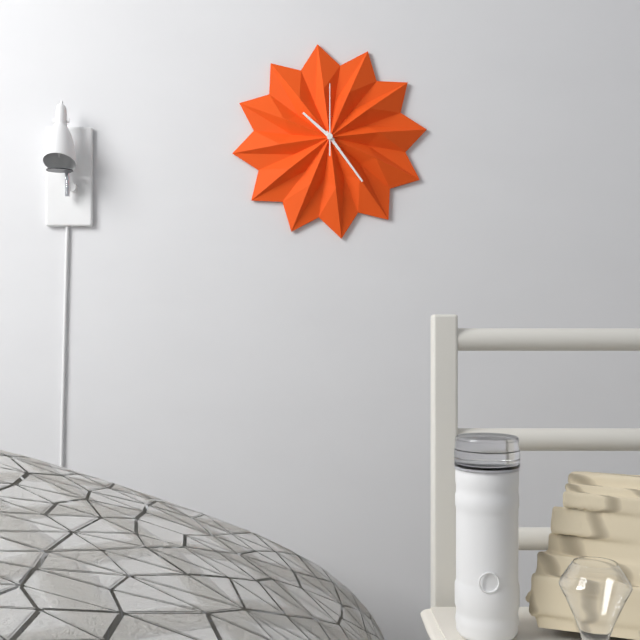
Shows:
{"hour": 10, "minute": 24, "second": 0}
